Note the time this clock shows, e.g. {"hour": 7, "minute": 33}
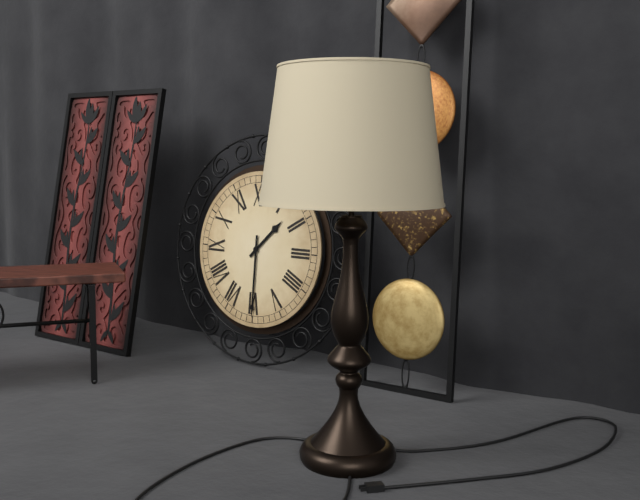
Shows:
{"hour": 1, "minute": 30}
